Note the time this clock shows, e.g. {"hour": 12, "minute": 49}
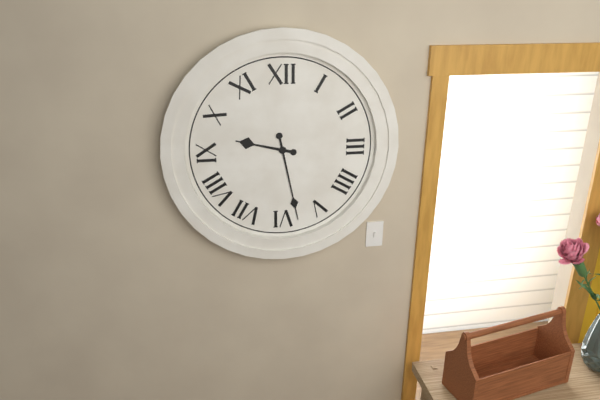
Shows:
{"hour": 9, "minute": 28}
